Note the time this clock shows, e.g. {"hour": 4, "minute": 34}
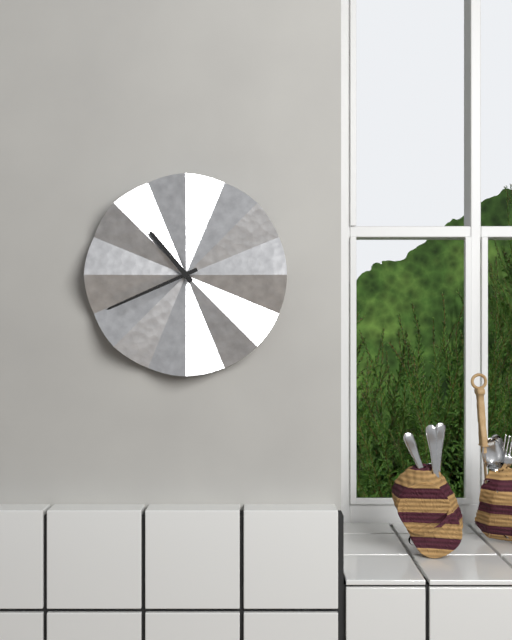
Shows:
{"hour": 10, "minute": 41}
